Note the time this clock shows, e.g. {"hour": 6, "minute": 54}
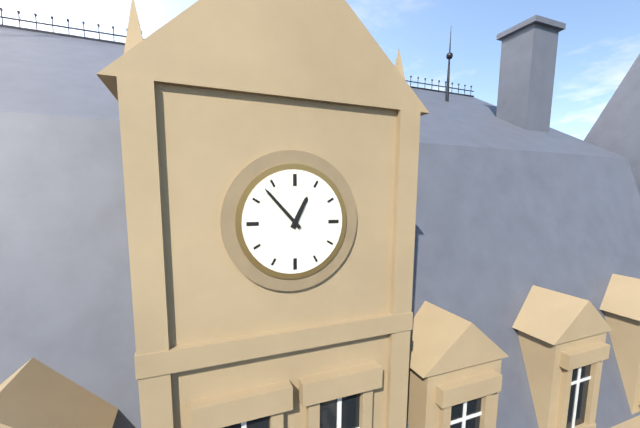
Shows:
{"hour": 12, "minute": 53}
